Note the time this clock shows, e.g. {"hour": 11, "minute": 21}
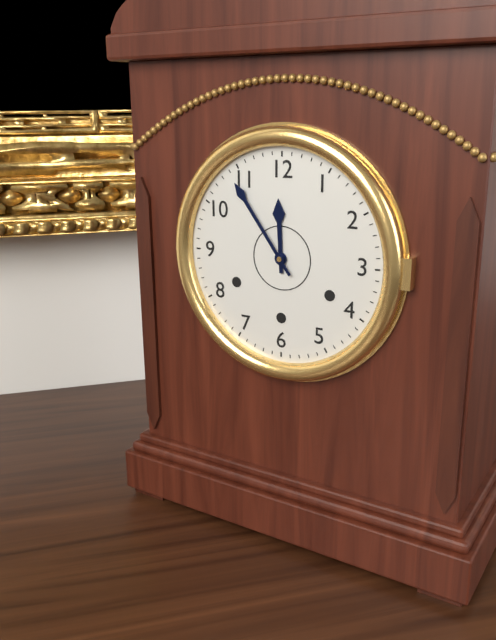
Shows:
{"hour": 11, "minute": 54}
